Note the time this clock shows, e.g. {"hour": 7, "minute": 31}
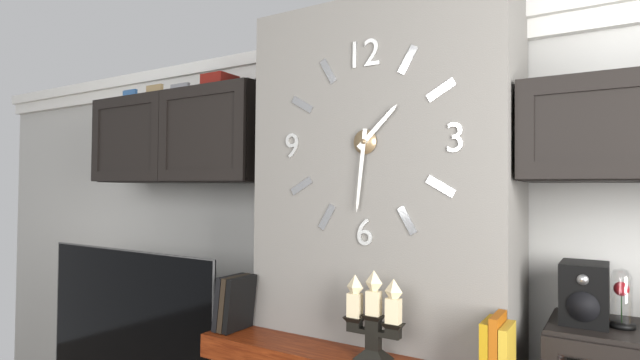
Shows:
{"hour": 1, "minute": 31}
